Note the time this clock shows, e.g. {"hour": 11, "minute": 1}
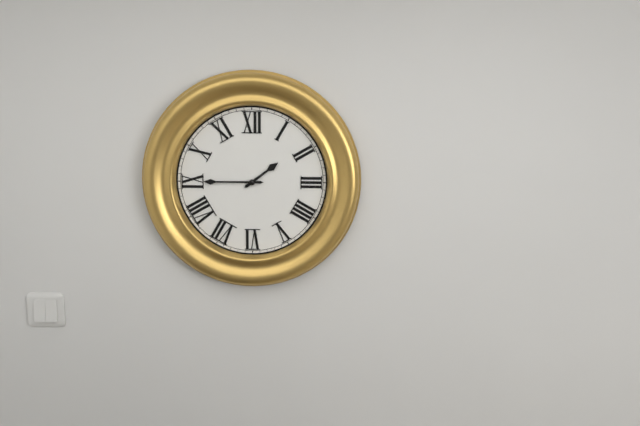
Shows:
{"hour": 1, "minute": 45}
